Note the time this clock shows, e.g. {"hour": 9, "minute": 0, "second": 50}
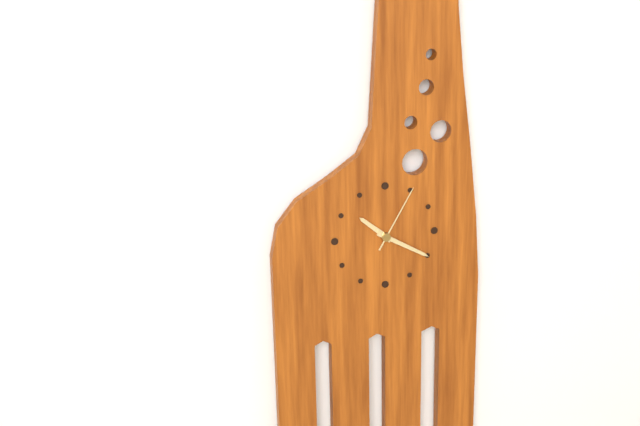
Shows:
{"hour": 10, "minute": 20, "second": 5}
